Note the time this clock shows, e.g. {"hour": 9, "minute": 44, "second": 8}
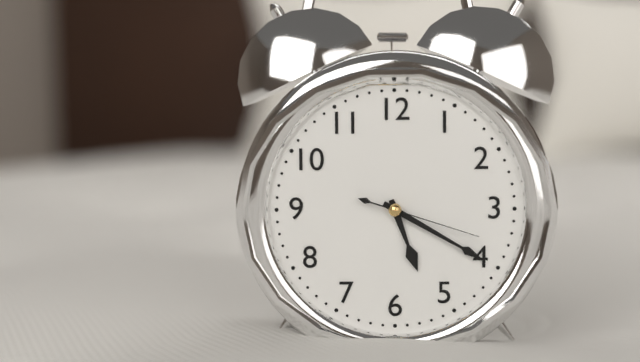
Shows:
{"hour": 5, "minute": 20, "second": 18}
